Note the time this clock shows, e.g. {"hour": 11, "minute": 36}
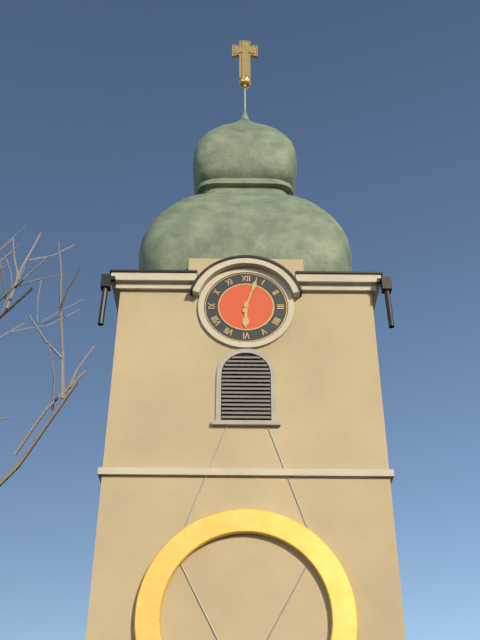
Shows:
{"hour": 6, "minute": 3}
